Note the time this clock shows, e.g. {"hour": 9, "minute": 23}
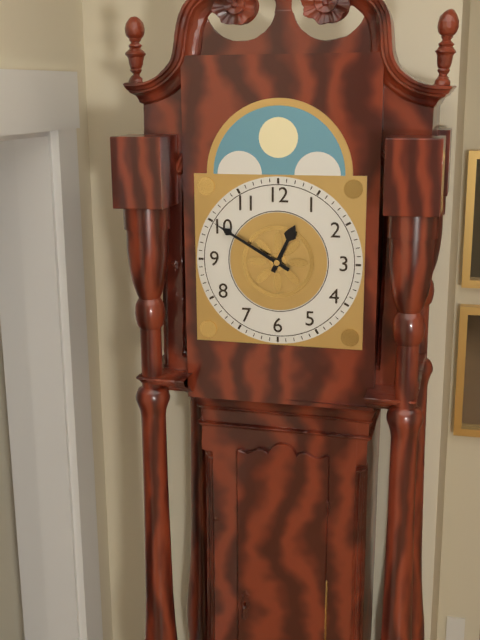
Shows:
{"hour": 12, "minute": 50}
